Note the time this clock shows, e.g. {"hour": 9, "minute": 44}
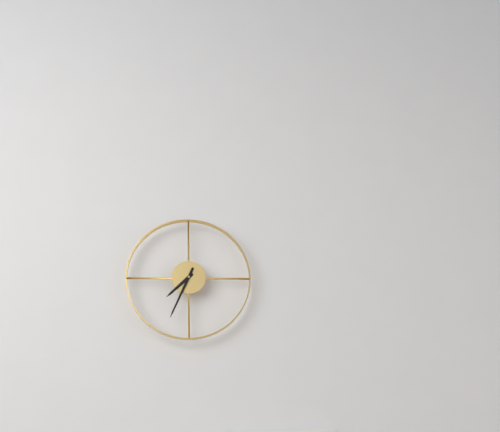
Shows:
{"hour": 7, "minute": 34}
